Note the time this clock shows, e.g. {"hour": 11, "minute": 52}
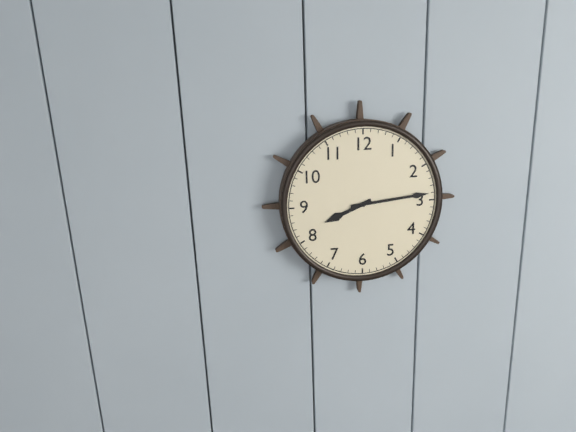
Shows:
{"hour": 8, "minute": 14}
